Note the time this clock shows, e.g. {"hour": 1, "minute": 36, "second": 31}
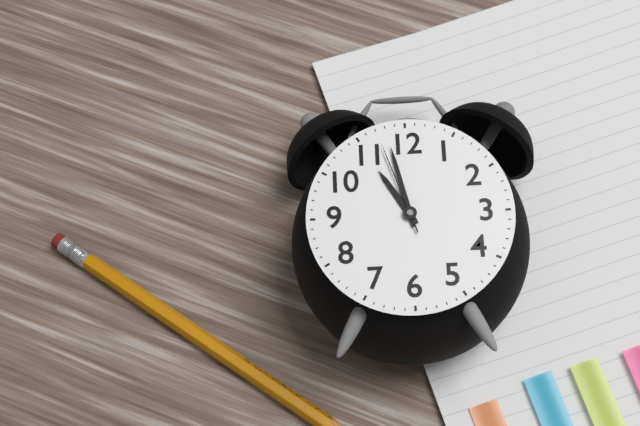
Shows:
{"hour": 10, "minute": 58, "second": 57}
